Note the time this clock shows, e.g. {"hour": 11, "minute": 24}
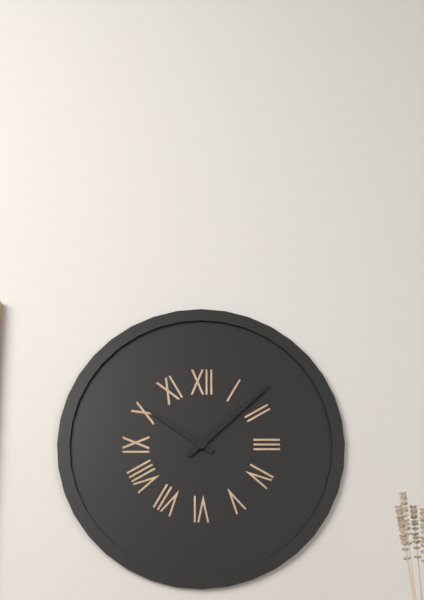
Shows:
{"hour": 10, "minute": 8}
